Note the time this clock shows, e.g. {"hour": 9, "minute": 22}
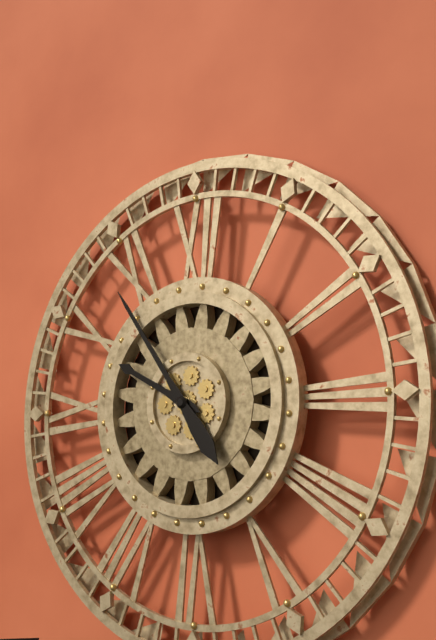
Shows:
{"hour": 9, "minute": 54}
